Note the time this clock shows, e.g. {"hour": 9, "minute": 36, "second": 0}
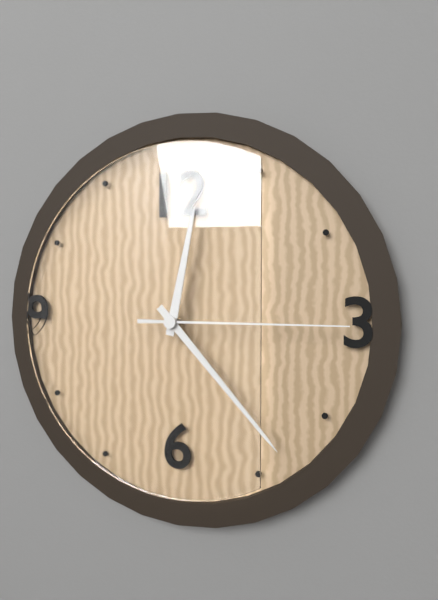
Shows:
{"hour": 12, "minute": 23, "second": 15}
